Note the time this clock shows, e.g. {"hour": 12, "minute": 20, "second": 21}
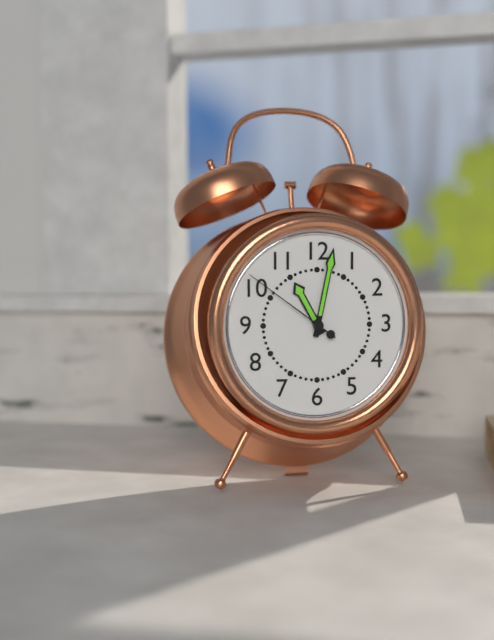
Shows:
{"hour": 11, "minute": 2, "second": 51}
